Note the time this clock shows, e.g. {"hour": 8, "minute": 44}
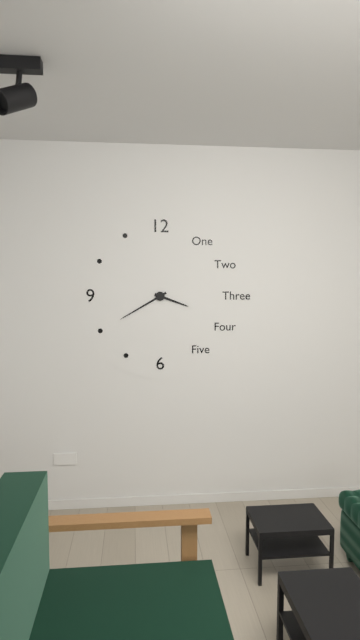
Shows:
{"hour": 3, "minute": 40}
